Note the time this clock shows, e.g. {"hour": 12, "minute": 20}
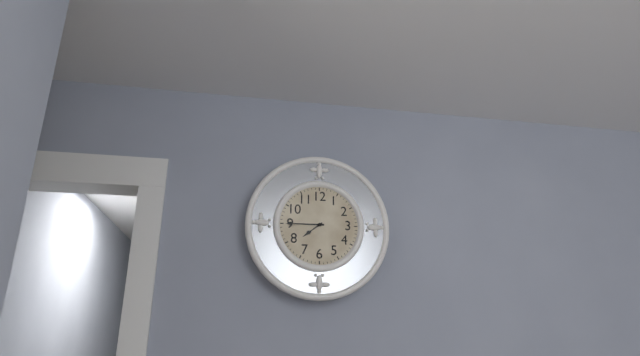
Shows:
{"hour": 7, "minute": 45}
